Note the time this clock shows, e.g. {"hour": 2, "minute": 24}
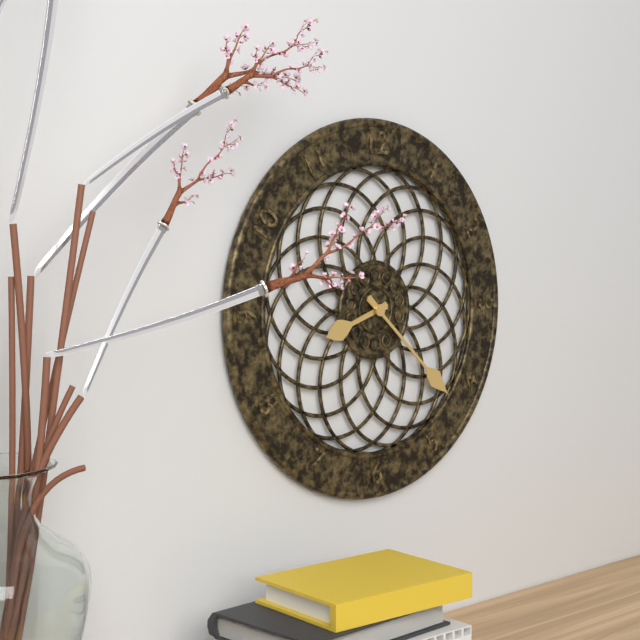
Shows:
{"hour": 8, "minute": 22}
